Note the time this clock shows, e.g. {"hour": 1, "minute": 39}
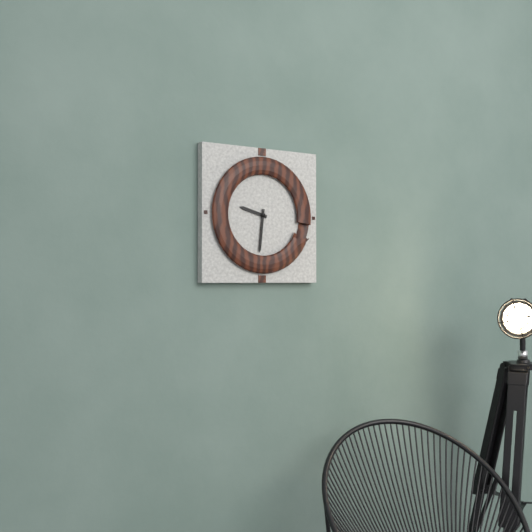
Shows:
{"hour": 9, "minute": 31}
